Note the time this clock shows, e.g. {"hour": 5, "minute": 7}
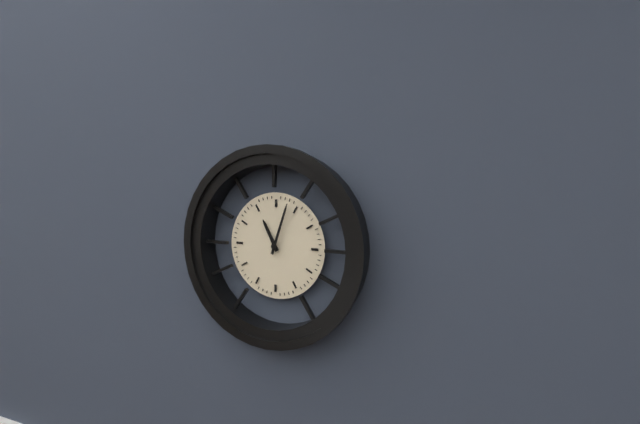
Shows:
{"hour": 11, "minute": 3}
